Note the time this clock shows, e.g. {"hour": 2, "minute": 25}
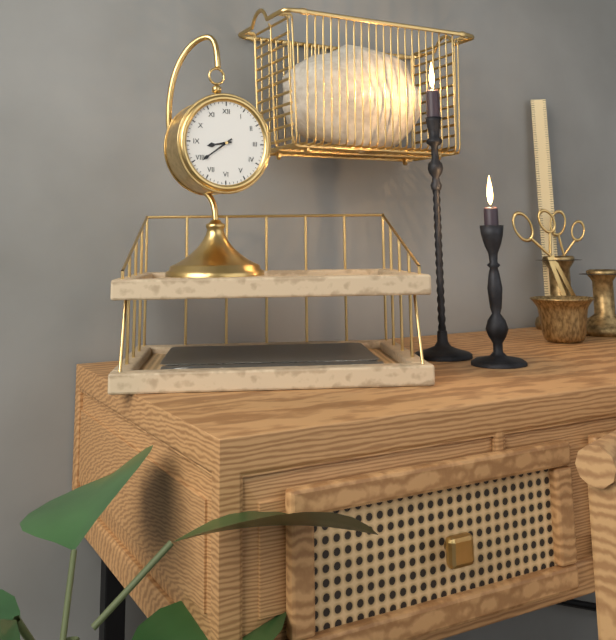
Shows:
{"hour": 8, "minute": 39}
